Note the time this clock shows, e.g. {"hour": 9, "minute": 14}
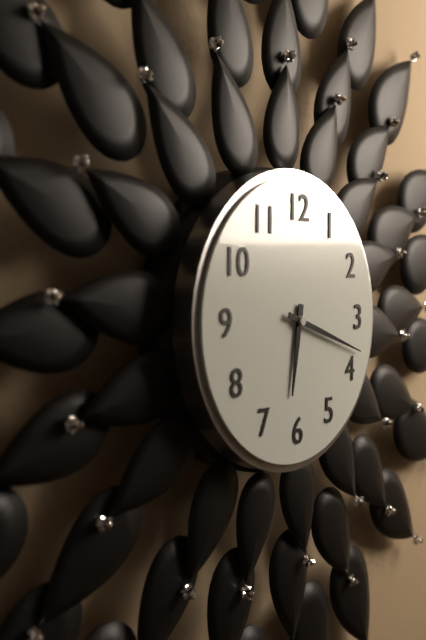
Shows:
{"hour": 6, "minute": 18}
